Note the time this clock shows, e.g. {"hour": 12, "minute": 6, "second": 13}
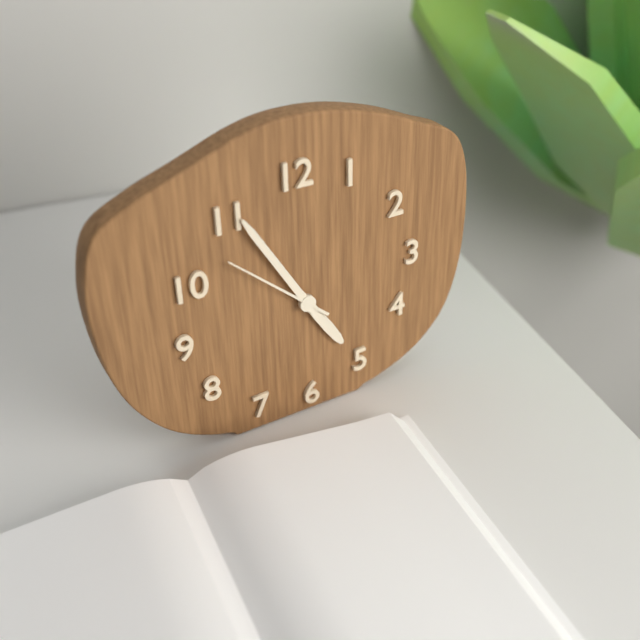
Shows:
{"hour": 4, "minute": 55, "second": 52}
